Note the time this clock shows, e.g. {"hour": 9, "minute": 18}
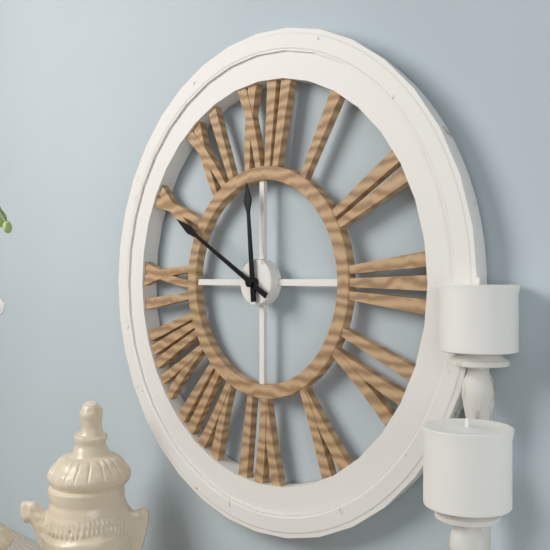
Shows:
{"hour": 11, "minute": 50}
